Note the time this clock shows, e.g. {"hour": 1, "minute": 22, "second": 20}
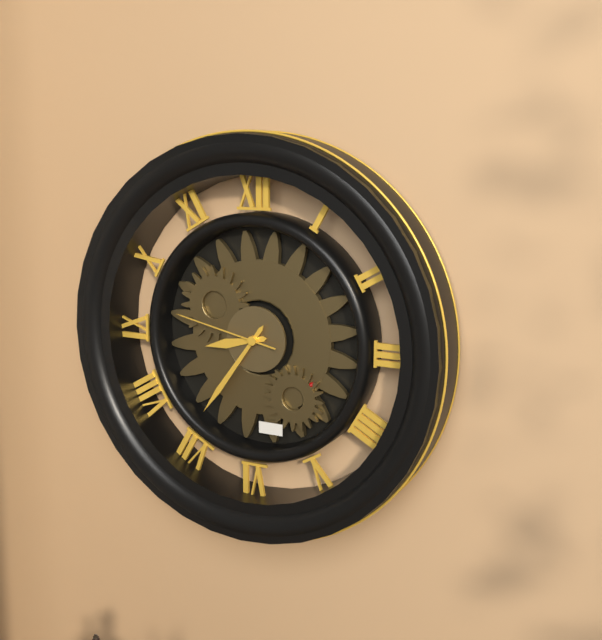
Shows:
{"hour": 8, "minute": 36, "second": 47}
